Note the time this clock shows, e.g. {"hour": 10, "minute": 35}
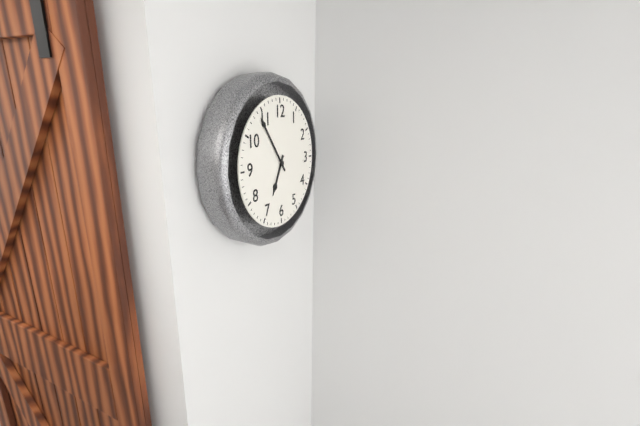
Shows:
{"hour": 6, "minute": 54}
